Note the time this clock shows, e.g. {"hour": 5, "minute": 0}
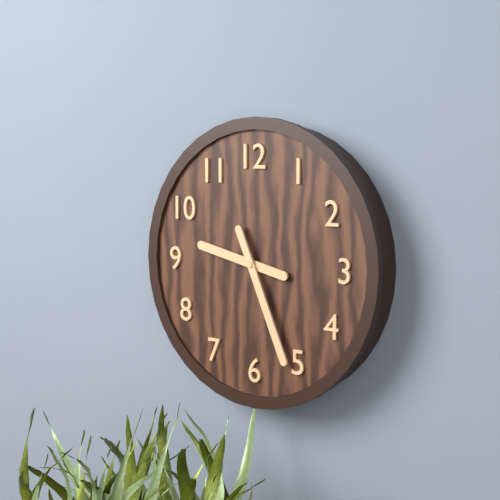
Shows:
{"hour": 9, "minute": 26}
